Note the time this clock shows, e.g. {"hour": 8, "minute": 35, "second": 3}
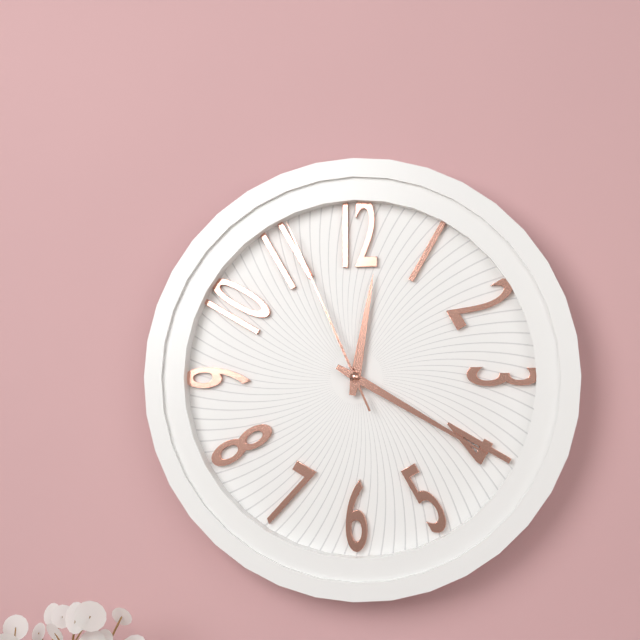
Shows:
{"hour": 12, "minute": 20, "second": 56}
